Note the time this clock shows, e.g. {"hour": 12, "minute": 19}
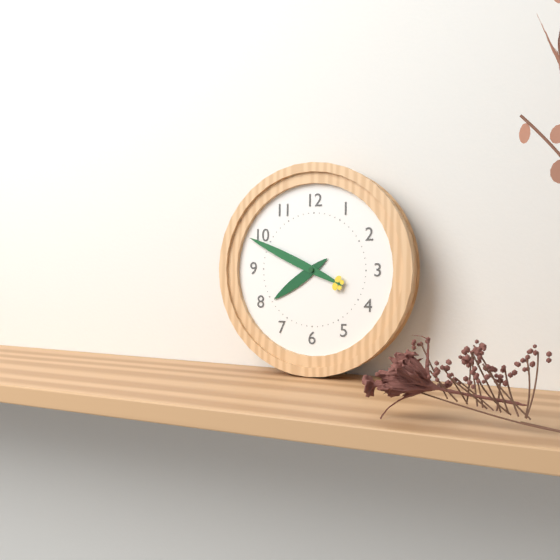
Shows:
{"hour": 7, "minute": 49}
